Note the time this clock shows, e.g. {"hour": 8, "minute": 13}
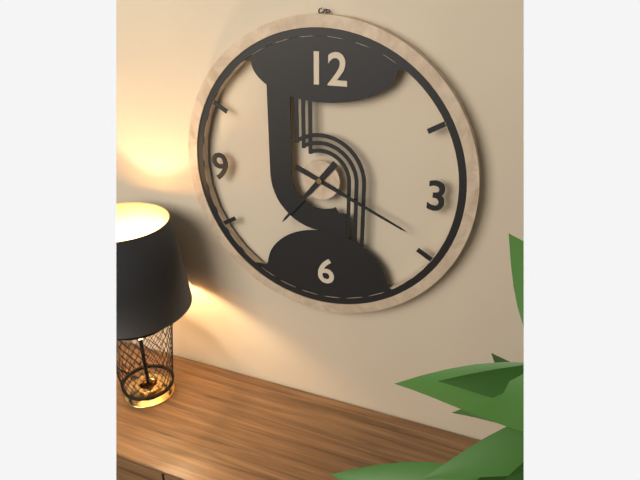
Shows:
{"hour": 7, "minute": 19}
